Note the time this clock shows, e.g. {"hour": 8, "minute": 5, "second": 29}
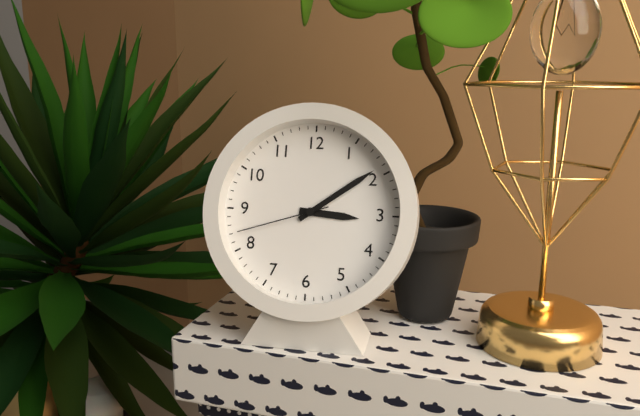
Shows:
{"hour": 3, "minute": 9, "second": 42}
